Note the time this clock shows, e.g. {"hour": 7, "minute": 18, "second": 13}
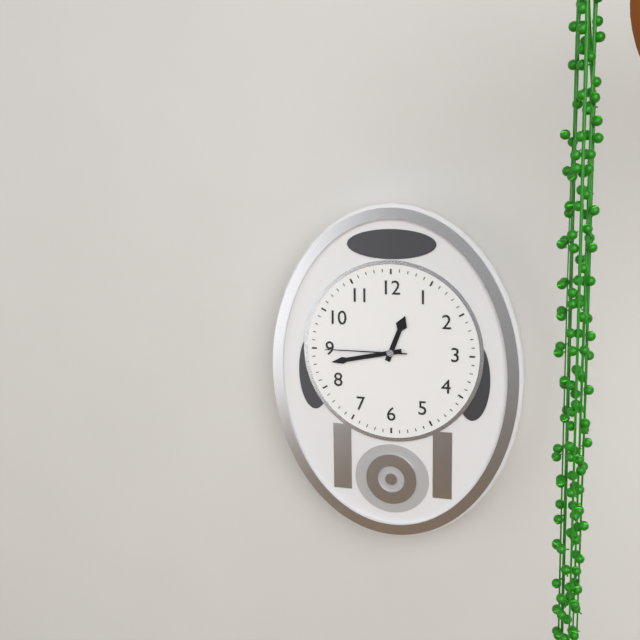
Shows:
{"hour": 12, "minute": 43, "second": 45}
